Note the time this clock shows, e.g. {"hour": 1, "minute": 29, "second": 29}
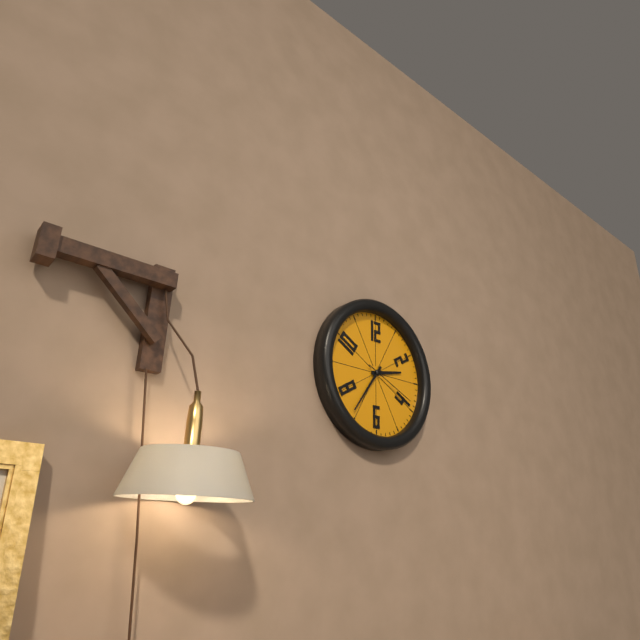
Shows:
{"hour": 2, "minute": 36, "second": 19}
